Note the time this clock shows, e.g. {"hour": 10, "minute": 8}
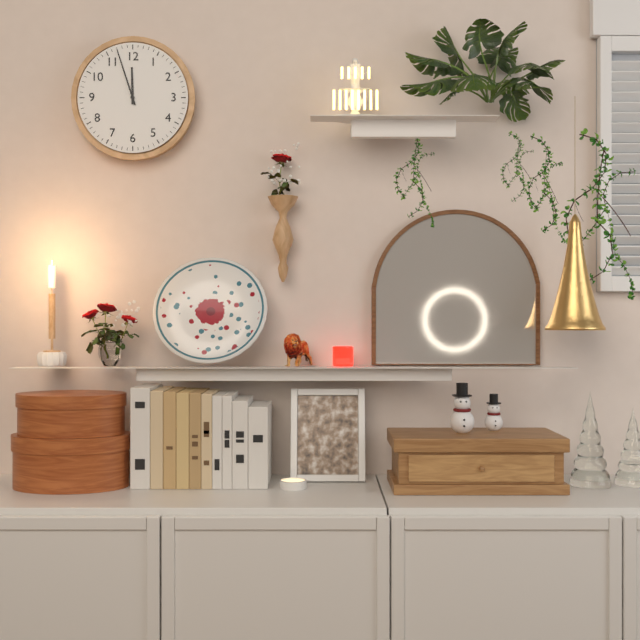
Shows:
{"hour": 11, "minute": 57}
